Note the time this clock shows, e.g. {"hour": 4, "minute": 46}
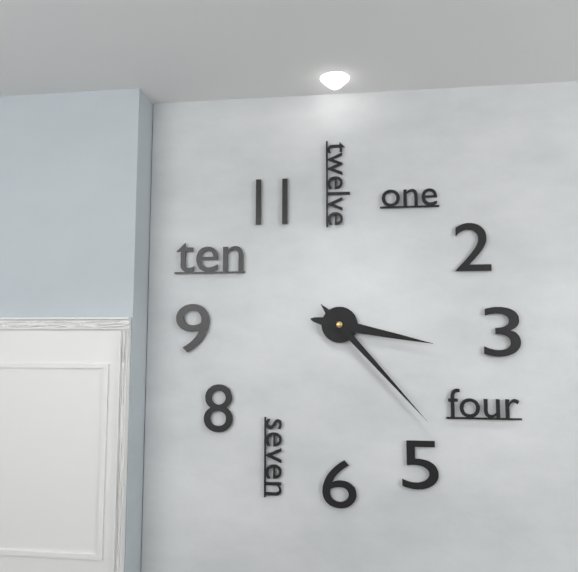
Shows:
{"hour": 3, "minute": 23}
